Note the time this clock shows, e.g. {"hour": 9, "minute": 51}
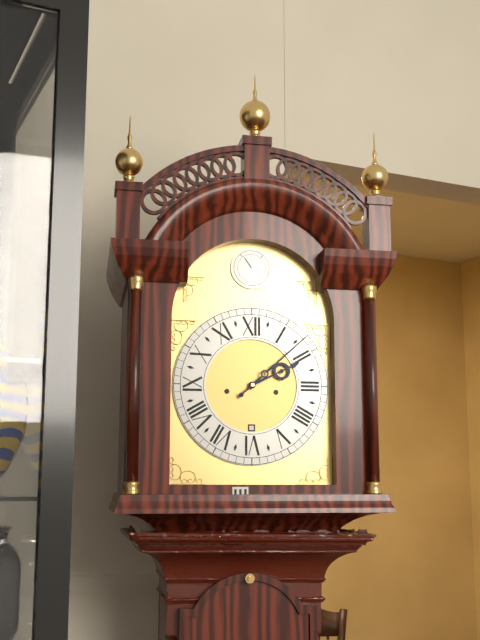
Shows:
{"hour": 2, "minute": 8}
